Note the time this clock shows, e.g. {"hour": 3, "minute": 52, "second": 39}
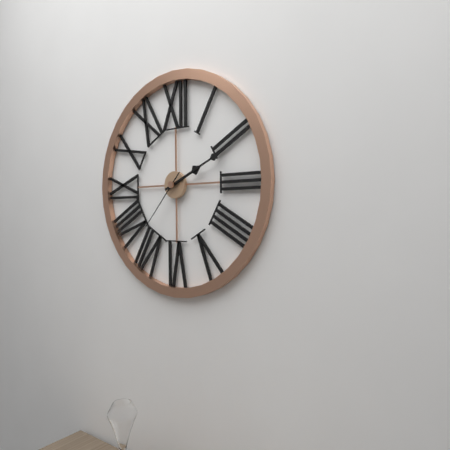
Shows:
{"hour": 2, "minute": 11, "second": 37}
